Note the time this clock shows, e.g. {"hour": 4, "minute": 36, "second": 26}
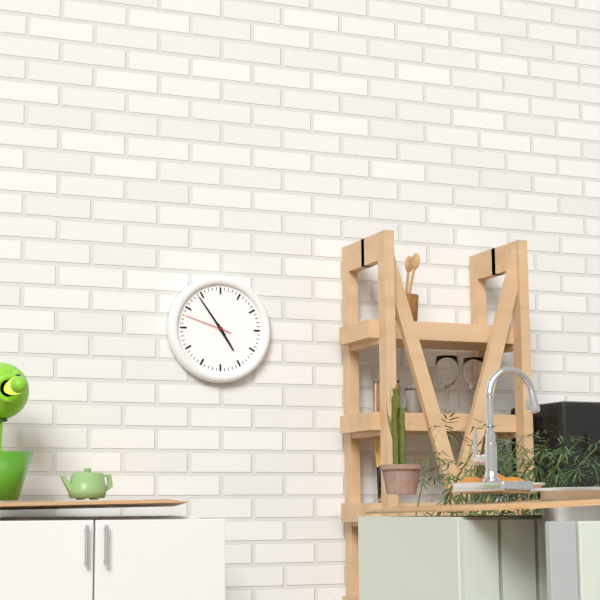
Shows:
{"hour": 4, "minute": 54, "second": 48}
